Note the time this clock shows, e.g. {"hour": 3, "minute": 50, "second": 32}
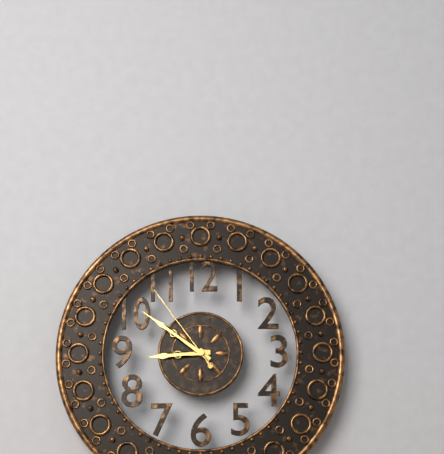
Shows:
{"hour": 8, "minute": 51, "second": 54}
